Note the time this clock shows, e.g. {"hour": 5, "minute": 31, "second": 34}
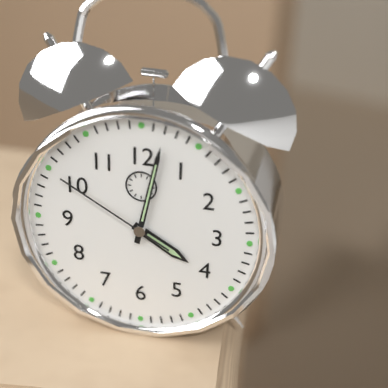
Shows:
{"hour": 4, "minute": 2, "second": 50}
